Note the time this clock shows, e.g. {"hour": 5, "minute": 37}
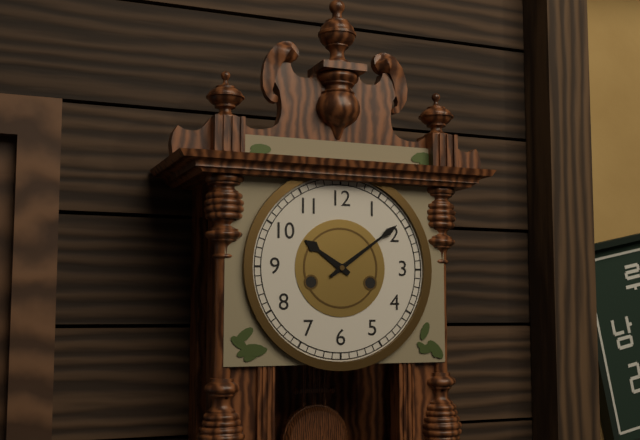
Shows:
{"hour": 10, "minute": 9}
